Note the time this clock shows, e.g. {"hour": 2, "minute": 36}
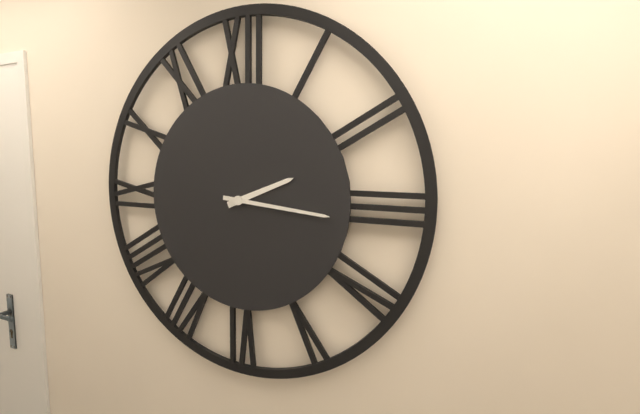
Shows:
{"hour": 2, "minute": 16}
